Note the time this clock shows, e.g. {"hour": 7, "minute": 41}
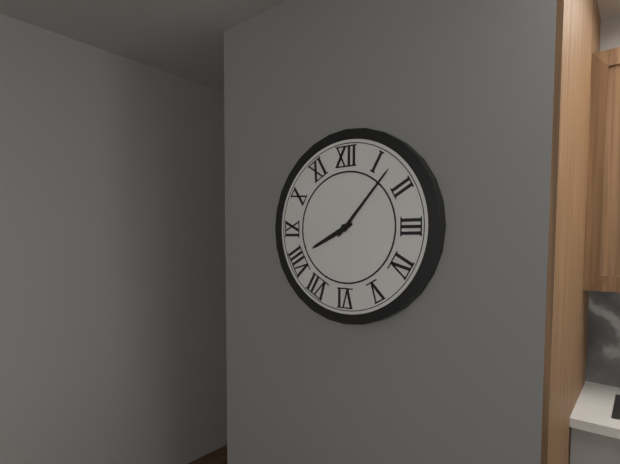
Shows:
{"hour": 8, "minute": 7}
